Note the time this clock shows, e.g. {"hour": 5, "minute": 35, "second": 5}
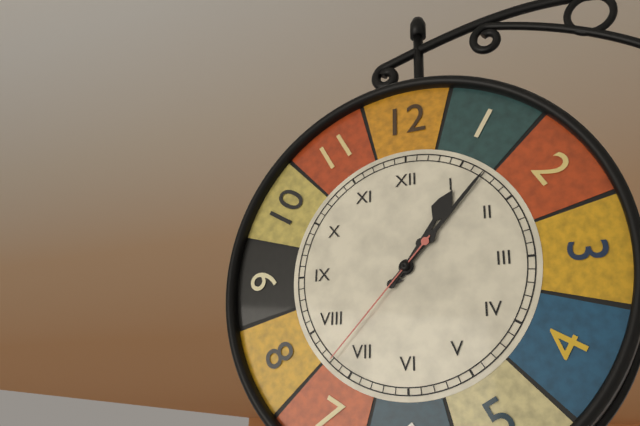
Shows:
{"hour": 1, "minute": 7, "second": 37}
